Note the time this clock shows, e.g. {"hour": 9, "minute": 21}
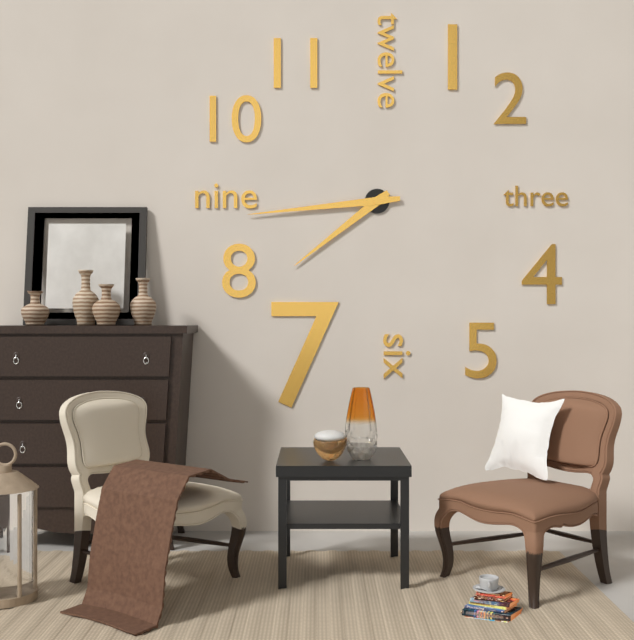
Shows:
{"hour": 7, "minute": 44}
